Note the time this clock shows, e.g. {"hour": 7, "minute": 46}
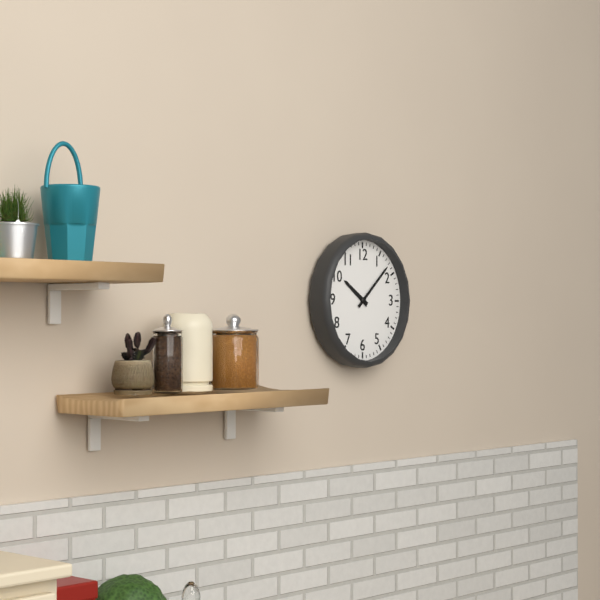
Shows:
{"hour": 10, "minute": 8}
